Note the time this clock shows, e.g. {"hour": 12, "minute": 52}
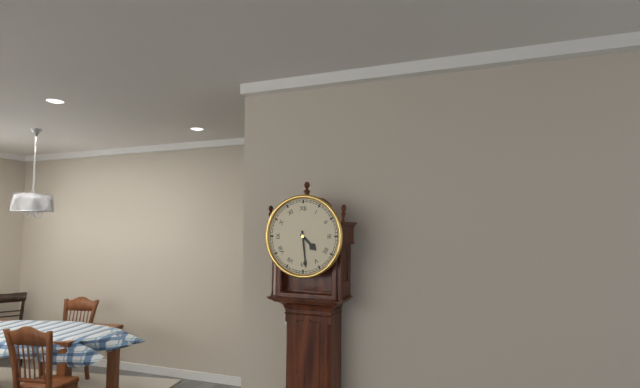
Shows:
{"hour": 4, "minute": 29}
